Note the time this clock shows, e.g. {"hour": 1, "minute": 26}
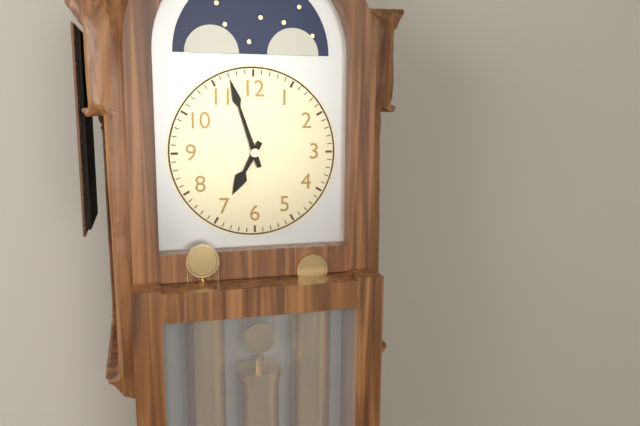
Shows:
{"hour": 6, "minute": 57}
